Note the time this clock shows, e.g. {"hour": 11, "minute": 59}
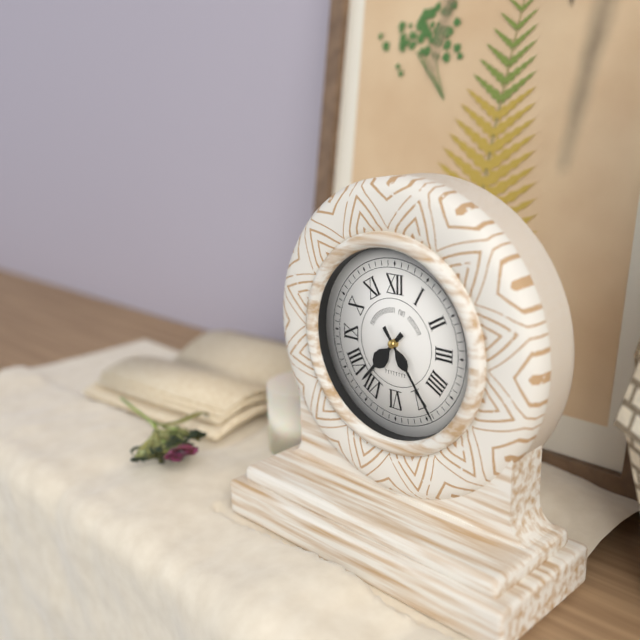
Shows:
{"hour": 7, "minute": 24}
